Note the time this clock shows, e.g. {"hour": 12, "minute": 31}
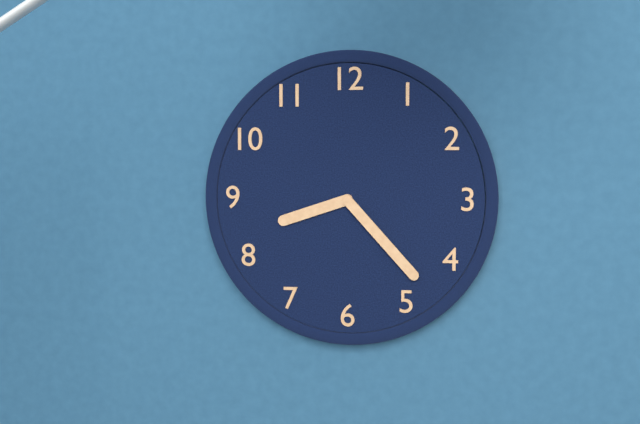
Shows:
{"hour": 8, "minute": 23}
